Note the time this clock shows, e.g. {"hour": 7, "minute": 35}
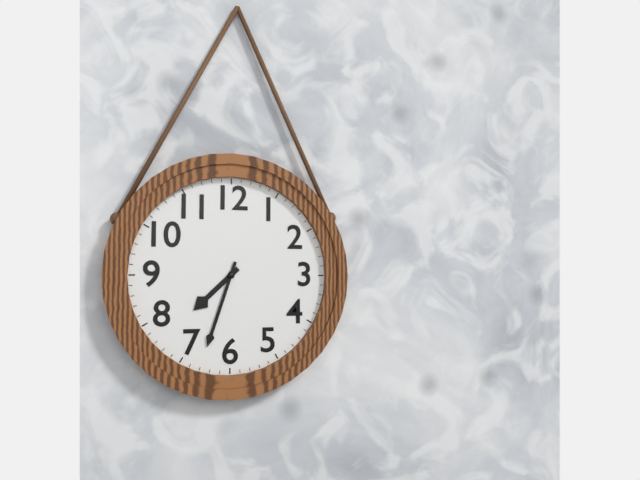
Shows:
{"hour": 7, "minute": 33}
